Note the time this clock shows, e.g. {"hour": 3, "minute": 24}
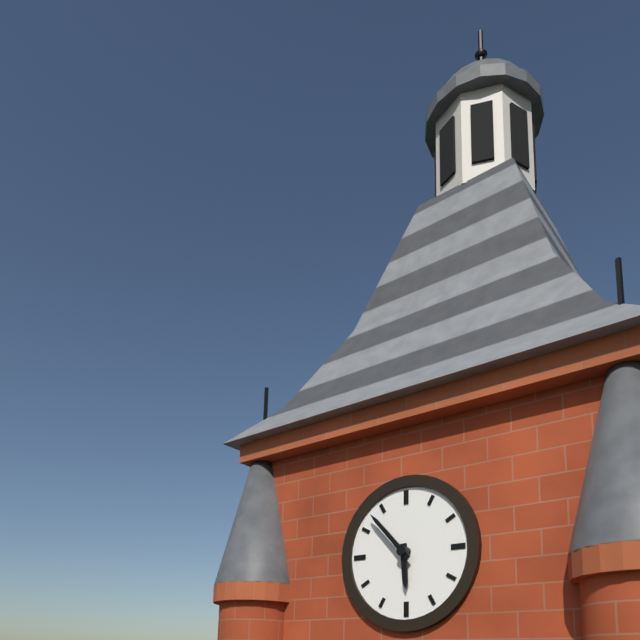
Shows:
{"hour": 5, "minute": 53}
